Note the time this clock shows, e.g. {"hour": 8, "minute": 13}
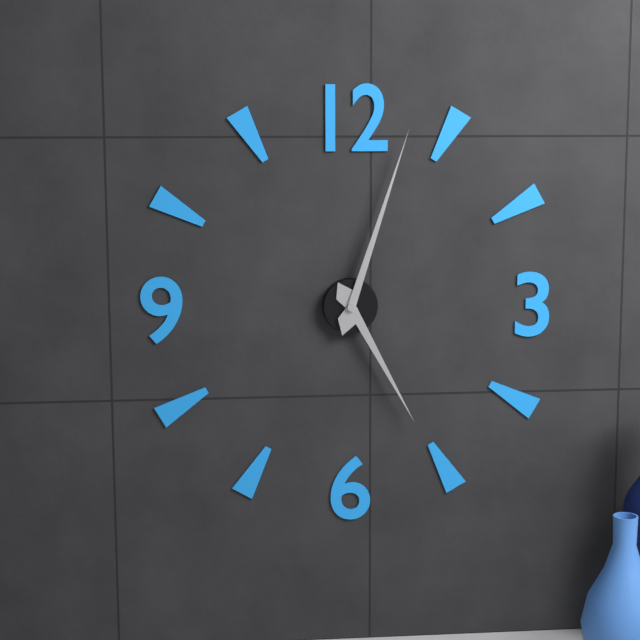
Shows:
{"hour": 5, "minute": 3}
